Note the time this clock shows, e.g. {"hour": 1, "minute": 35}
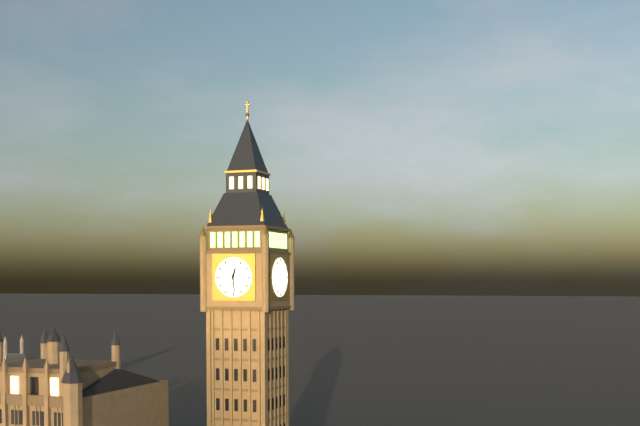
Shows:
{"hour": 12, "minute": 29}
